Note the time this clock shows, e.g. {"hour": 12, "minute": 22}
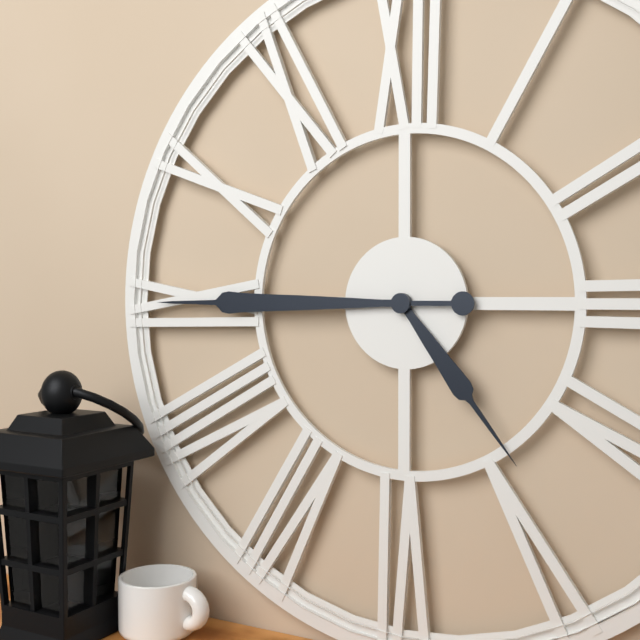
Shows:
{"hour": 4, "minute": 45}
